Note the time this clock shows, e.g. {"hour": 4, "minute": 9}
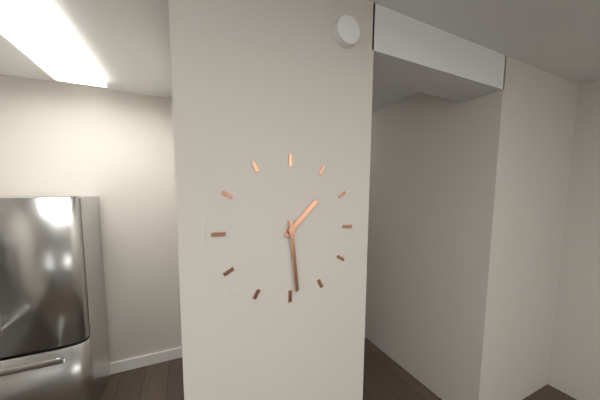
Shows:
{"hour": 1, "minute": 29}
